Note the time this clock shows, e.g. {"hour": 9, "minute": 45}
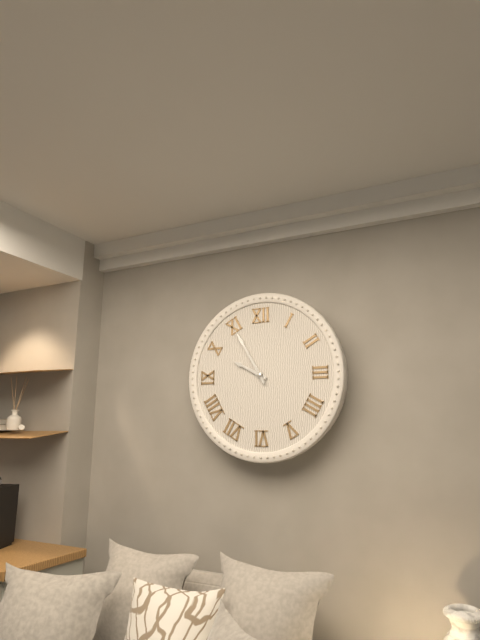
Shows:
{"hour": 9, "minute": 55}
